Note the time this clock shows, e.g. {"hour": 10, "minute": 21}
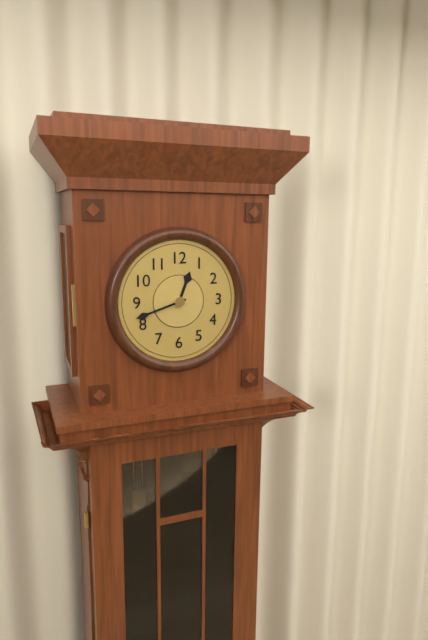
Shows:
{"hour": 12, "minute": 42}
